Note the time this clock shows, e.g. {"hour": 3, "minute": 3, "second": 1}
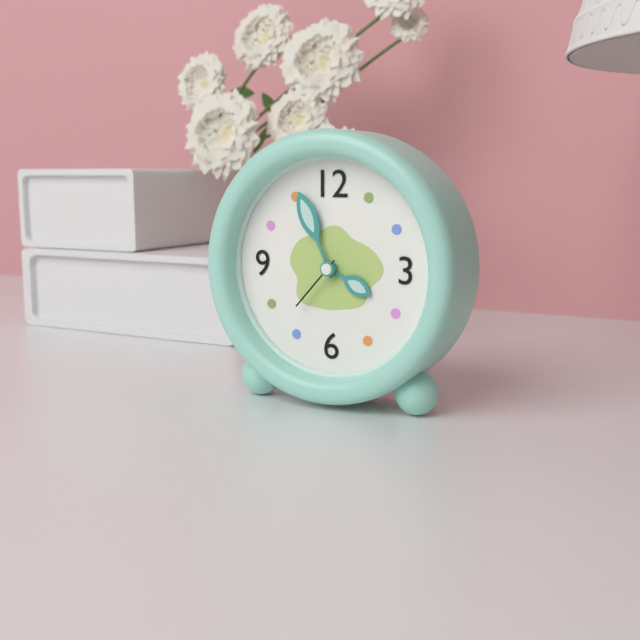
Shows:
{"hour": 3, "minute": 56, "second": 37}
